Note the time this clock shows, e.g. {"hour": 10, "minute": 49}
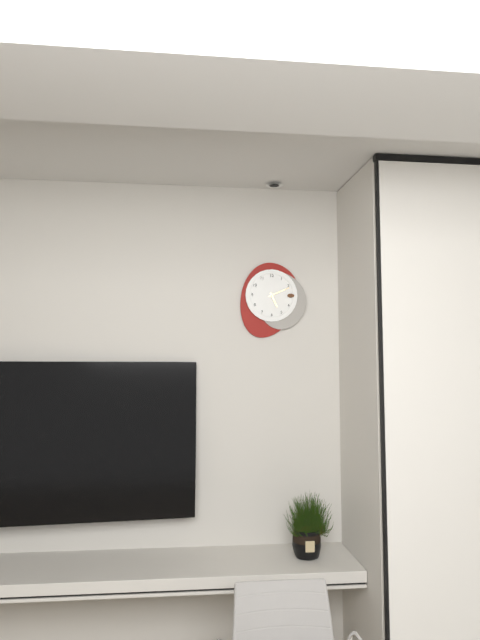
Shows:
{"hour": 5, "minute": 11}
